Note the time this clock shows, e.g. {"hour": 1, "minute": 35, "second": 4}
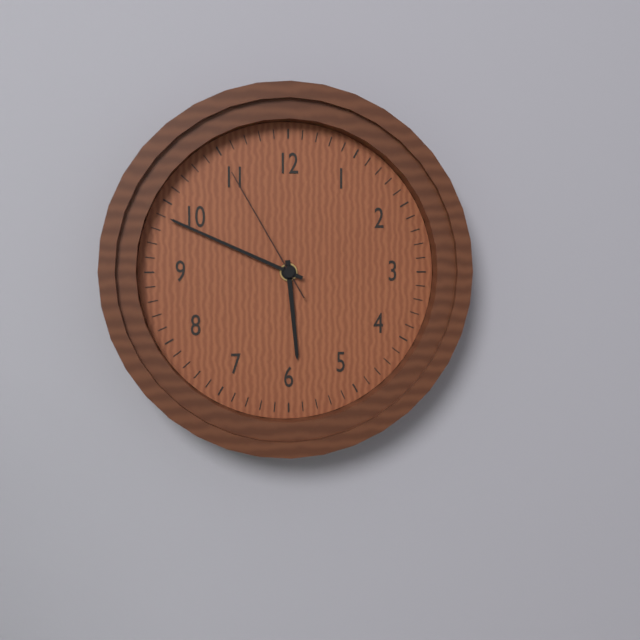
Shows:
{"hour": 5, "minute": 49, "second": 55}
